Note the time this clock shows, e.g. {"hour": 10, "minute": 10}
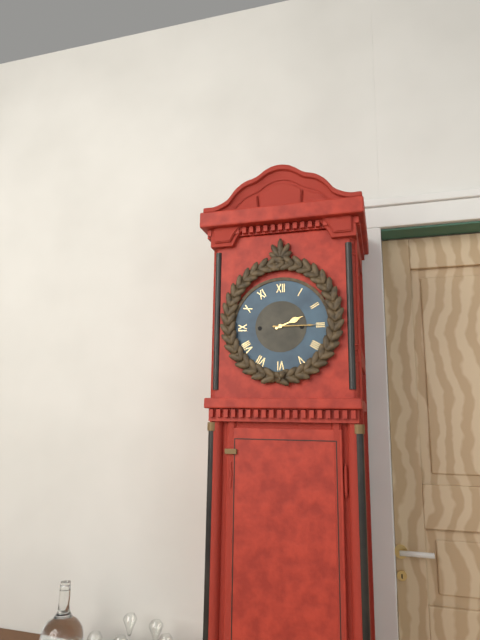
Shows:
{"hour": 2, "minute": 15}
